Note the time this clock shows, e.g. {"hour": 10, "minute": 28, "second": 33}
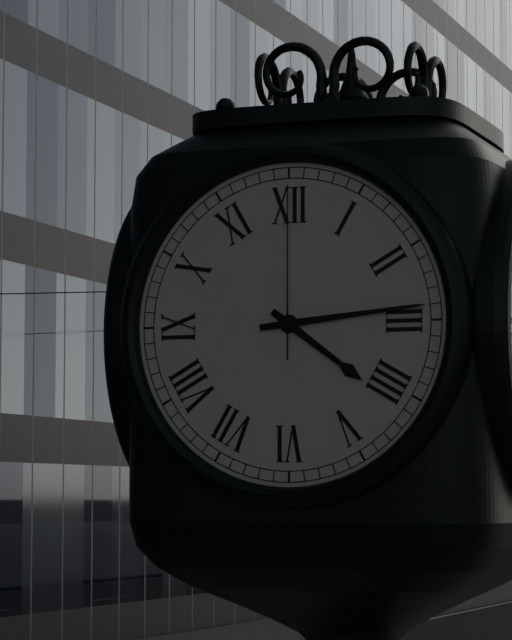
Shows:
{"hour": 4, "minute": 14, "second": 0}
